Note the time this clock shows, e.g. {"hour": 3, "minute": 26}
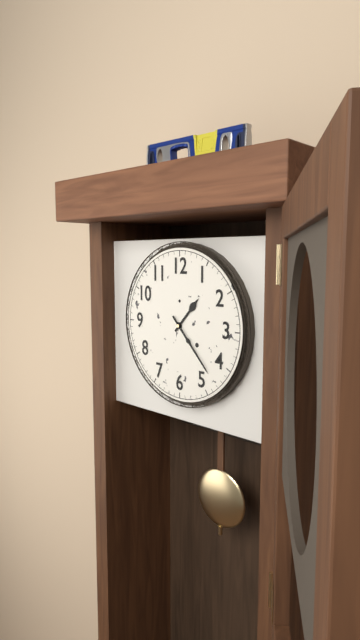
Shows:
{"hour": 1, "minute": 23}
